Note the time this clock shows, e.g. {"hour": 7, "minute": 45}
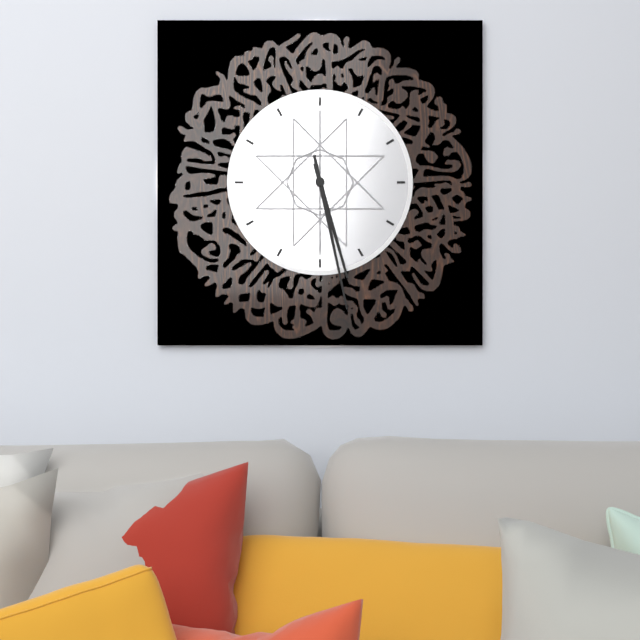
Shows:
{"hour": 5, "minute": 28}
